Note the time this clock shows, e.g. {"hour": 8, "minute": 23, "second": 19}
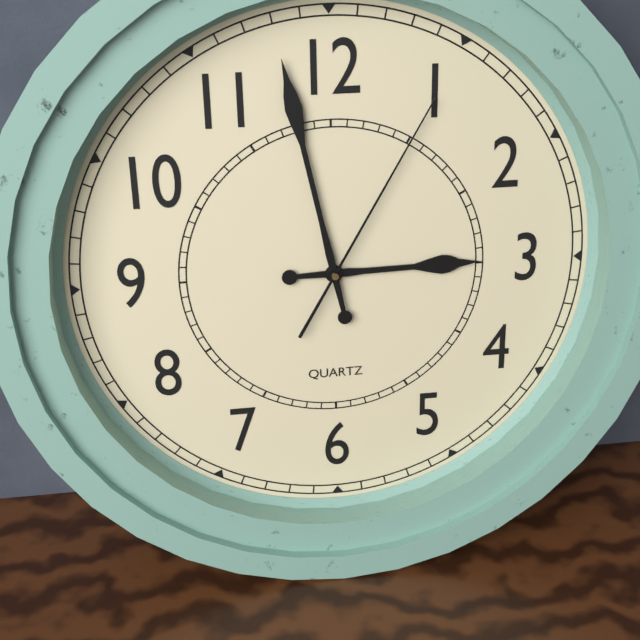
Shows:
{"hour": 2, "minute": 58, "second": 5}
